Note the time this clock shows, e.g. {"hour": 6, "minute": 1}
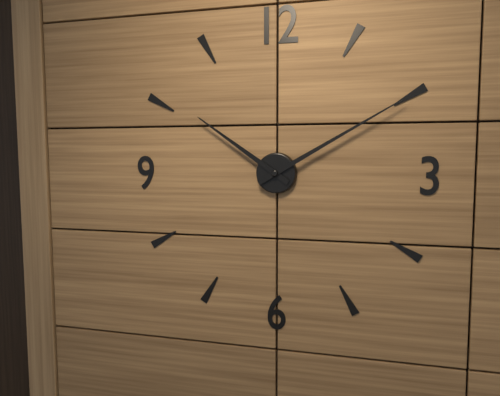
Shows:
{"hour": 10, "minute": 10}
